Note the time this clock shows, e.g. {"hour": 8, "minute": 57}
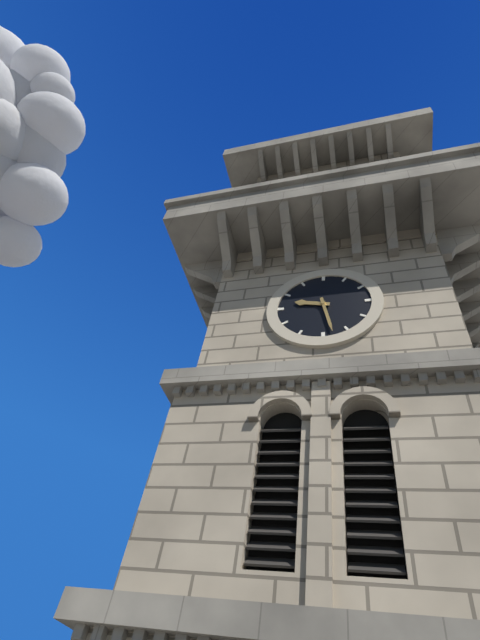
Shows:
{"hour": 9, "minute": 28}
